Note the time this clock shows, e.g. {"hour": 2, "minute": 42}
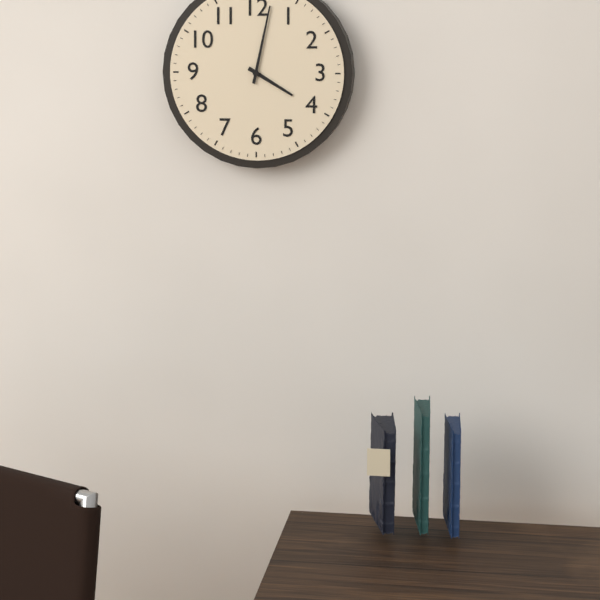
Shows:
{"hour": 4, "minute": 2}
